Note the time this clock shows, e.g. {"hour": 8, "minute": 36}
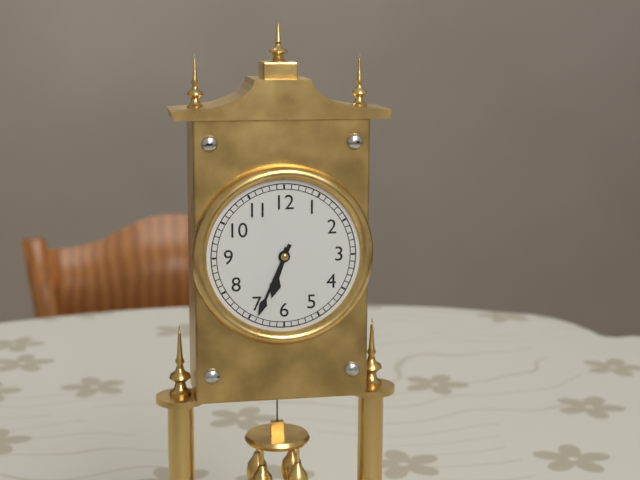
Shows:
{"hour": 6, "minute": 34}
